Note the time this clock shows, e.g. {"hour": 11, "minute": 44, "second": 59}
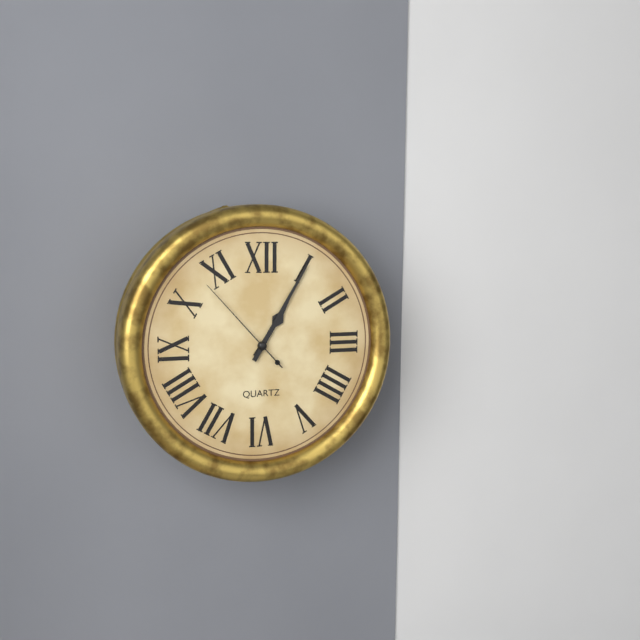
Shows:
{"hour": 1, "minute": 5, "second": 53}
